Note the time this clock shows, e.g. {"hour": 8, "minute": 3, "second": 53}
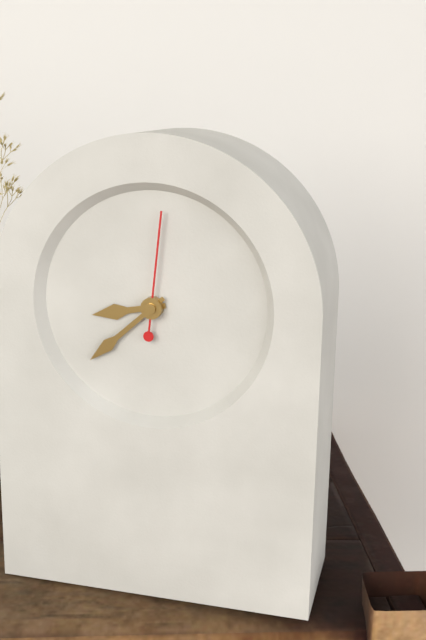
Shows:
{"hour": 8, "minute": 38, "second": 1}
